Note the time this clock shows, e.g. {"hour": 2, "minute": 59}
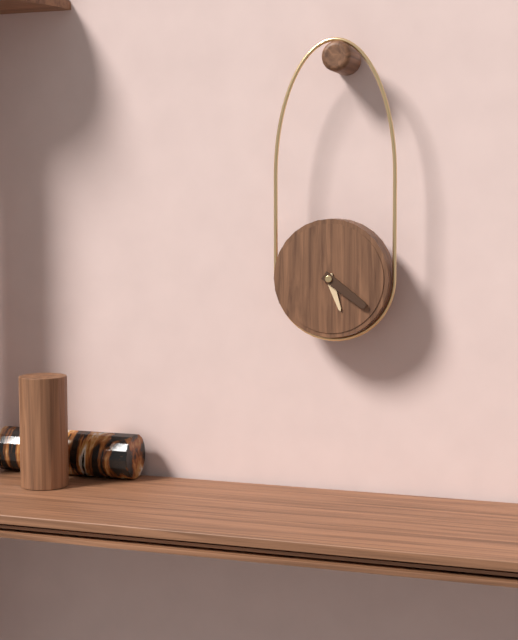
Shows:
{"hour": 5, "minute": 21}
